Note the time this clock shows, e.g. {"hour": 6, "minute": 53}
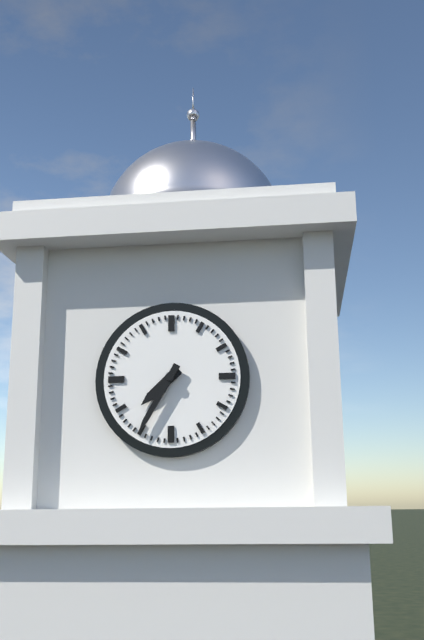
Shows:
{"hour": 7, "minute": 35}
